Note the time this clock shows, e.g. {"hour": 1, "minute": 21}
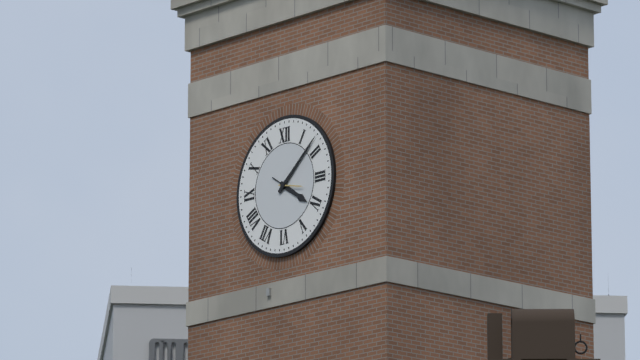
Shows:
{"hour": 4, "minute": 8}
